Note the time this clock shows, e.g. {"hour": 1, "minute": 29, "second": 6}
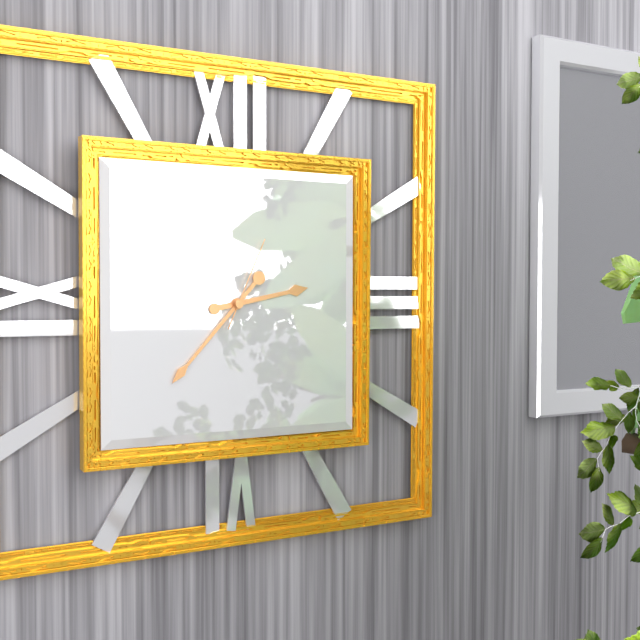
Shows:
{"hour": 2, "minute": 37, "second": 4}
